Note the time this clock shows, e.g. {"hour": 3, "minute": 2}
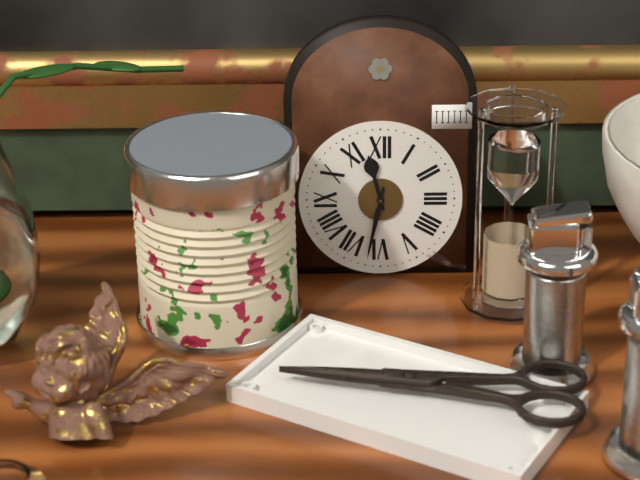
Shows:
{"hour": 11, "minute": 32}
